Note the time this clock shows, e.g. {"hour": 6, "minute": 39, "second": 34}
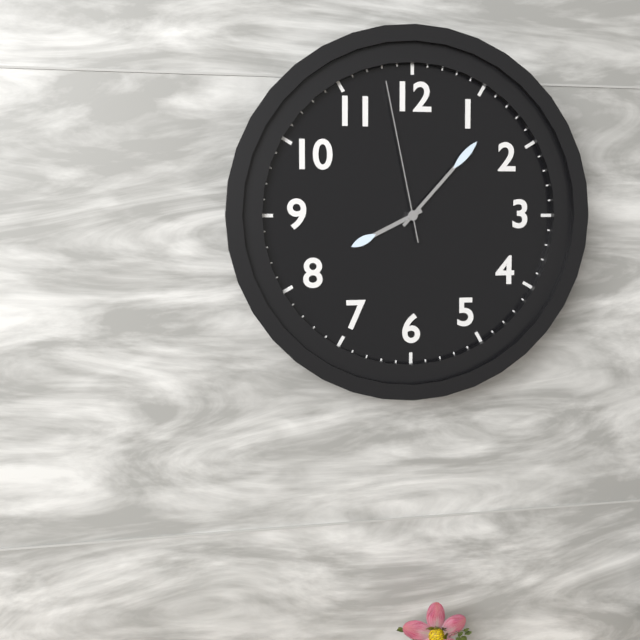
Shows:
{"hour": 8, "minute": 7, "second": 58}
